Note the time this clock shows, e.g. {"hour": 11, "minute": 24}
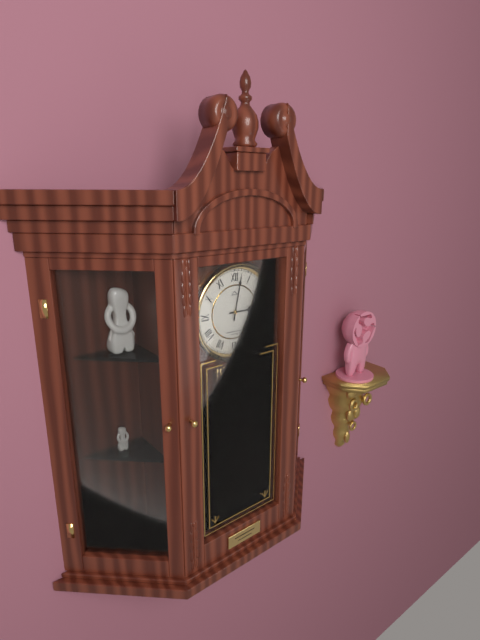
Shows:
{"hour": 3, "minute": 2}
